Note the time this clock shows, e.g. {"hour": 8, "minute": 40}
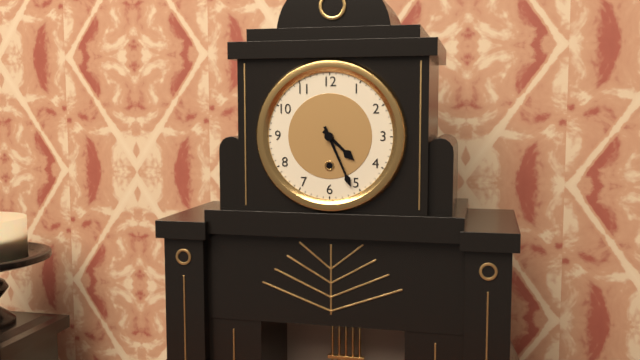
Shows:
{"hour": 4, "minute": 26}
